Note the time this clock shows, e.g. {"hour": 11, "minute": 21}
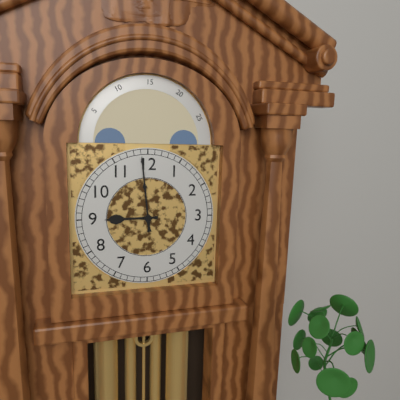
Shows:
{"hour": 8, "minute": 59}
